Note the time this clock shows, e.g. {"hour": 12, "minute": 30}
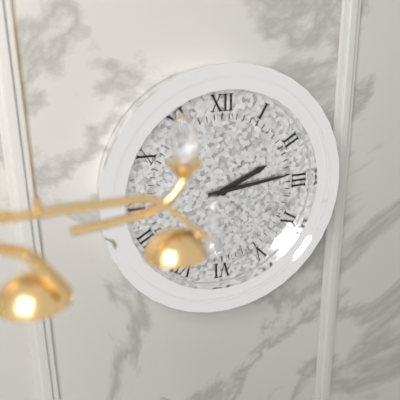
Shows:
{"hour": 2, "minute": 14}
